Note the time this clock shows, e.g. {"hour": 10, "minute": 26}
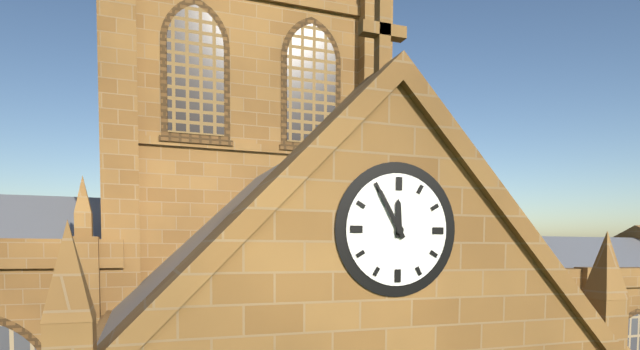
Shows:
{"hour": 11, "minute": 55}
